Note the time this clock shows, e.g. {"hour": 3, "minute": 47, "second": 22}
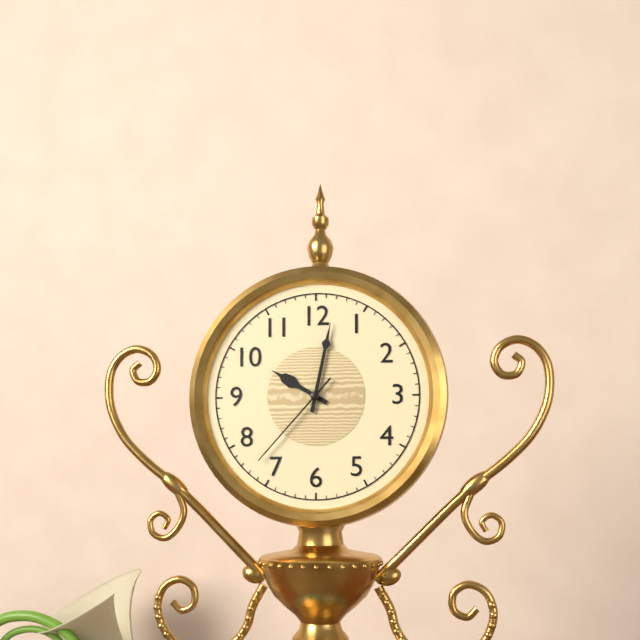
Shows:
{"hour": 10, "minute": 2, "second": 37}
